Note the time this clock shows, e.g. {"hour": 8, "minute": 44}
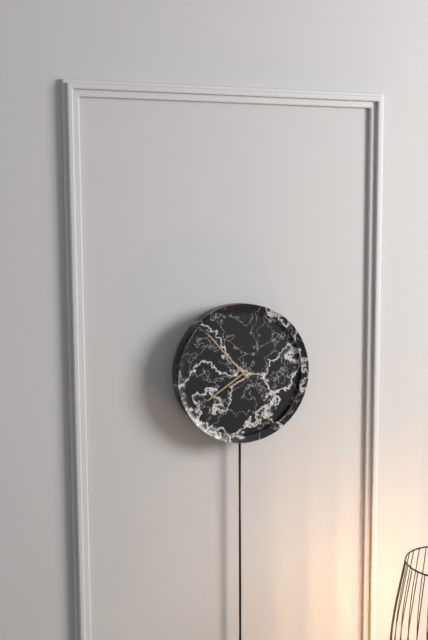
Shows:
{"hour": 7, "minute": 53}
